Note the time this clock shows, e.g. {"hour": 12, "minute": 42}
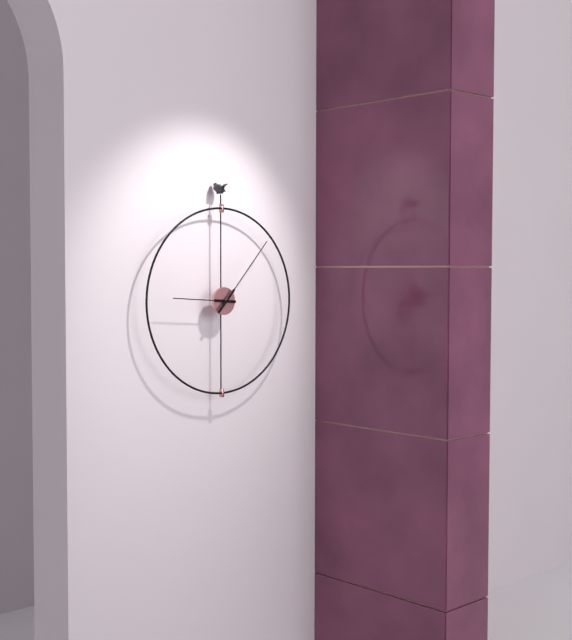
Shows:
{"hour": 9, "minute": 7}
